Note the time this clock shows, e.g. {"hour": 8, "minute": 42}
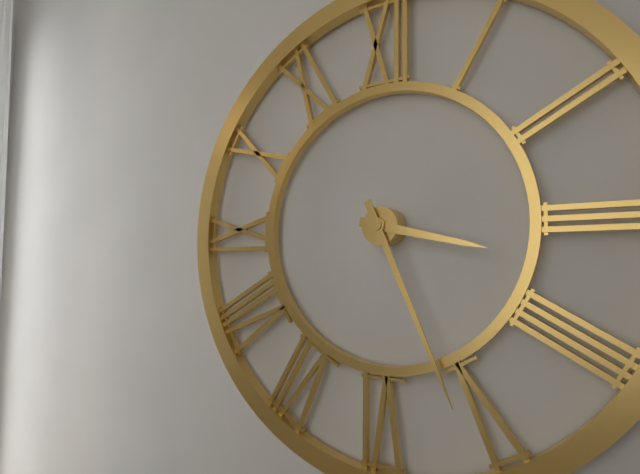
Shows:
{"hour": 3, "minute": 26}
